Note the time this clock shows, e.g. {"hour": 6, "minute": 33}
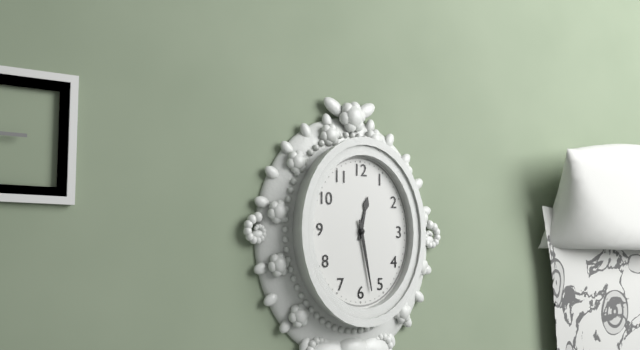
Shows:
{"hour": 12, "minute": 28}
